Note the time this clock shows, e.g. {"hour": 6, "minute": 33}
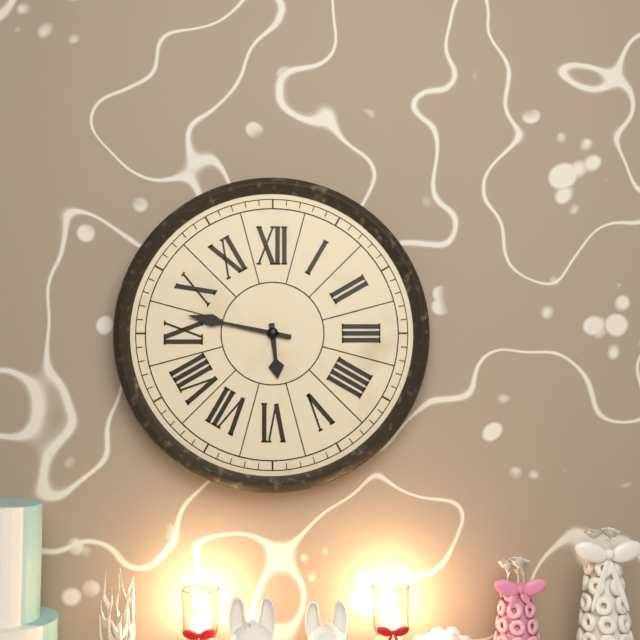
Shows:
{"hour": 5, "minute": 47}
